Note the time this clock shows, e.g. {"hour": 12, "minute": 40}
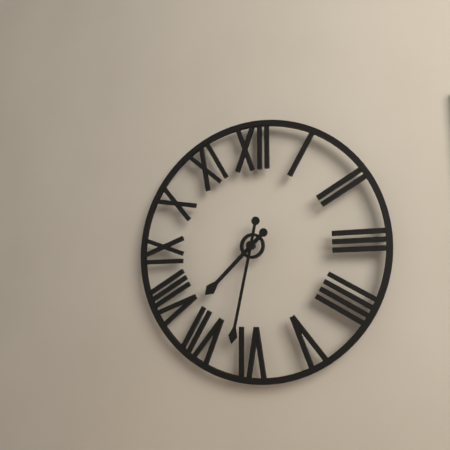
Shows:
{"hour": 7, "minute": 32}
